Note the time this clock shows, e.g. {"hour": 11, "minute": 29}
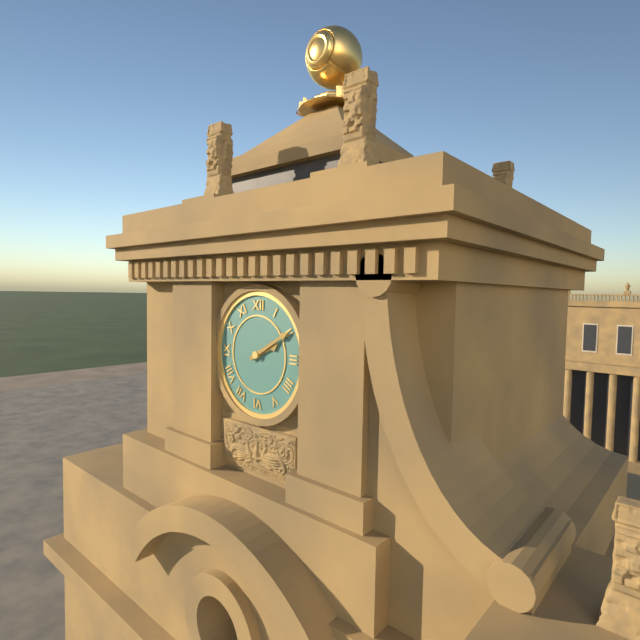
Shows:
{"hour": 2, "minute": 10}
